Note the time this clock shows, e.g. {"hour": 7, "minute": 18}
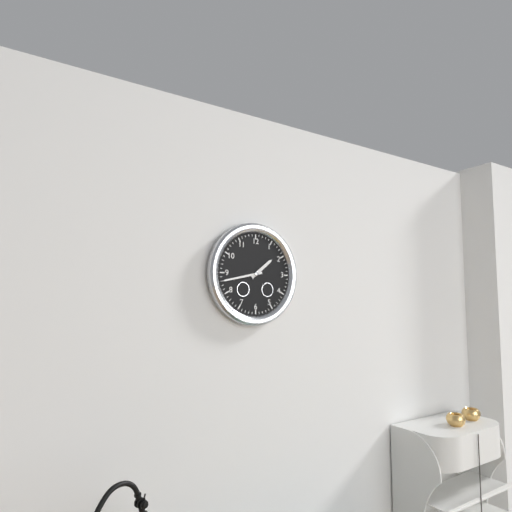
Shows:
{"hour": 1, "minute": 43}
